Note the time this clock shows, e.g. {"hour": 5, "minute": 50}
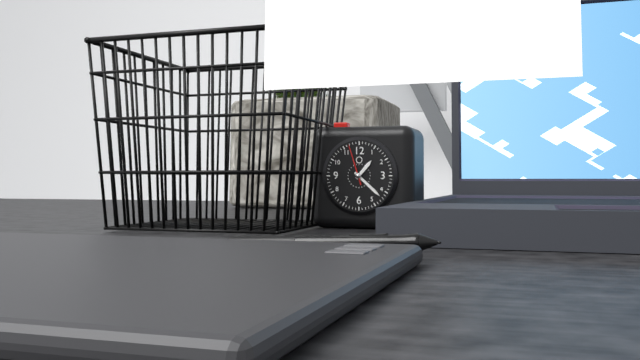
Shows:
{"hour": 1, "minute": 22}
